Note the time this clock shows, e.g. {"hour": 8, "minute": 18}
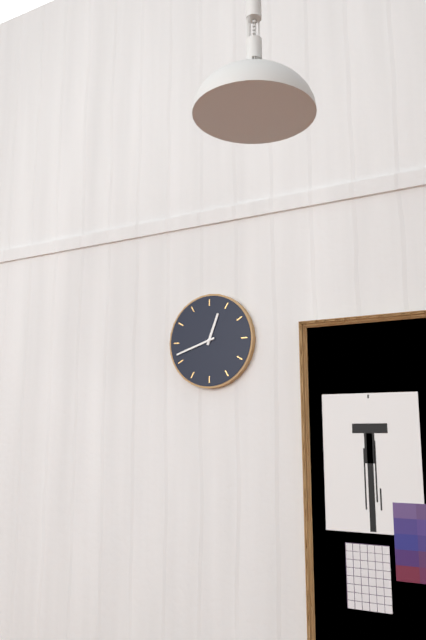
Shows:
{"hour": 12, "minute": 42}
